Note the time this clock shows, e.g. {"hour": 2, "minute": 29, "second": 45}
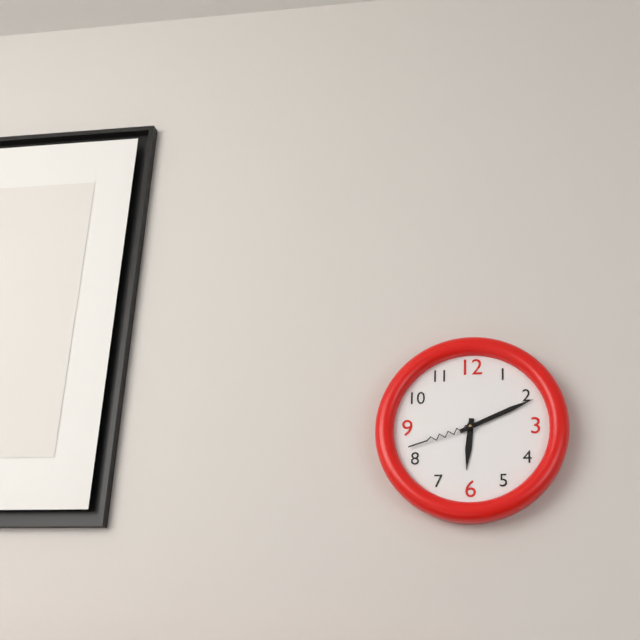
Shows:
{"hour": 6, "minute": 11, "second": 42}
